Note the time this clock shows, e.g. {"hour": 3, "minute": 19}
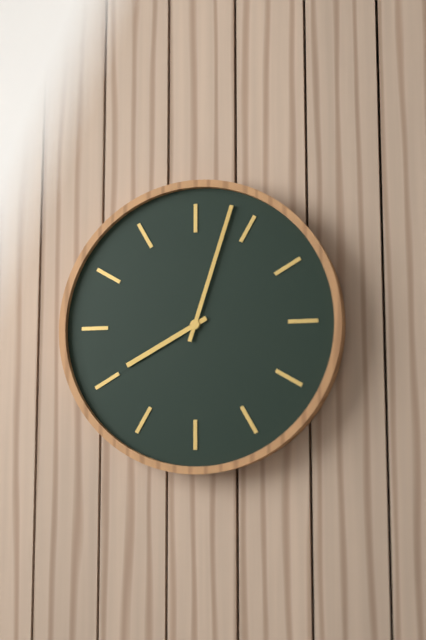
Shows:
{"hour": 8, "minute": 3}
